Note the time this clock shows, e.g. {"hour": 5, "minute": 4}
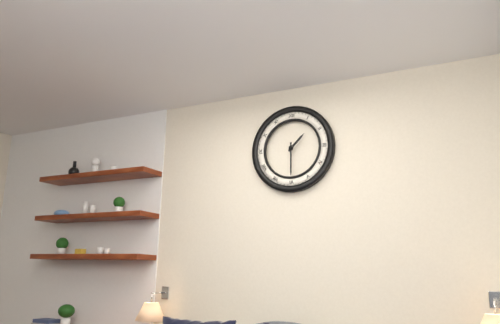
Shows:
{"hour": 1, "minute": 30}
